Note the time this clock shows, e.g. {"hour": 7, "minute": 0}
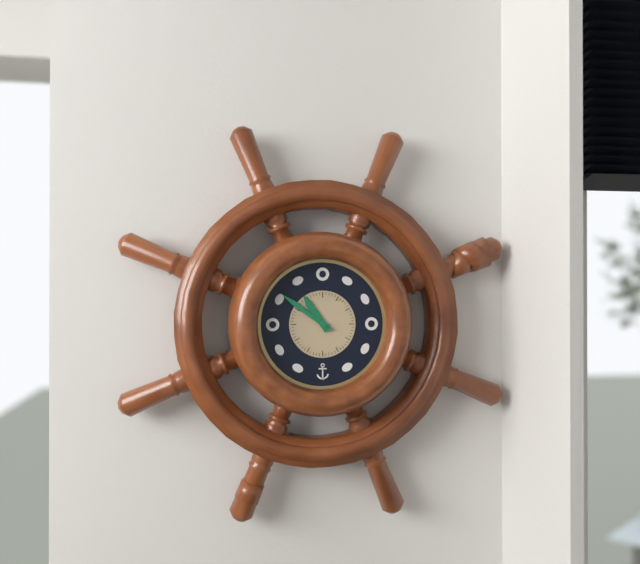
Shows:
{"hour": 10, "minute": 51}
